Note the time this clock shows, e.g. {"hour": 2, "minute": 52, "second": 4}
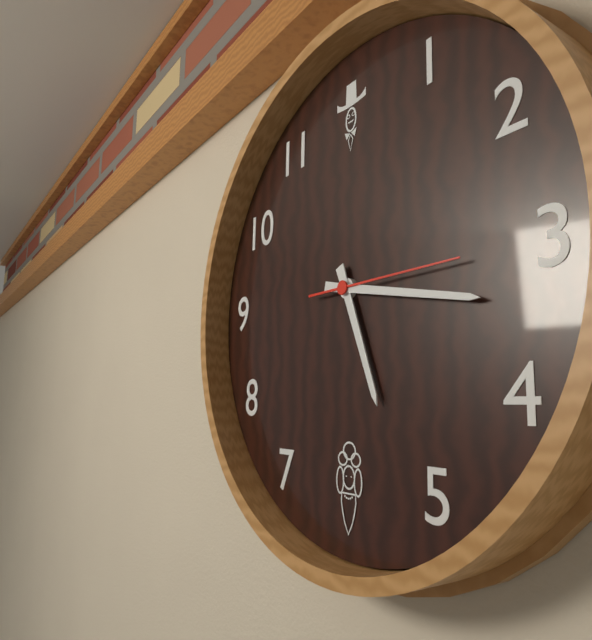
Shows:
{"hour": 5, "minute": 17, "second": 15}
